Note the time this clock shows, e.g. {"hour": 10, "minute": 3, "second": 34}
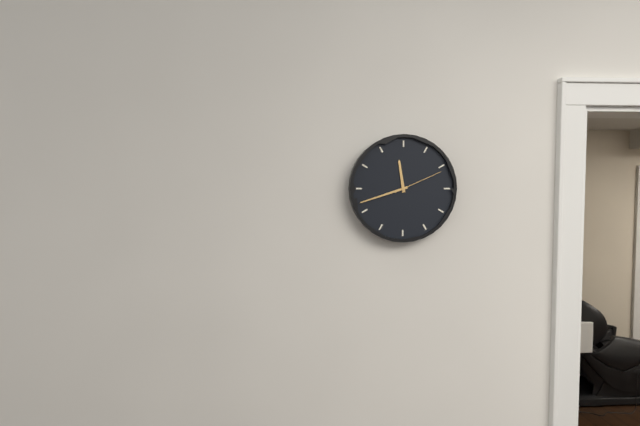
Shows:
{"hour": 11, "minute": 42, "second": 11}
